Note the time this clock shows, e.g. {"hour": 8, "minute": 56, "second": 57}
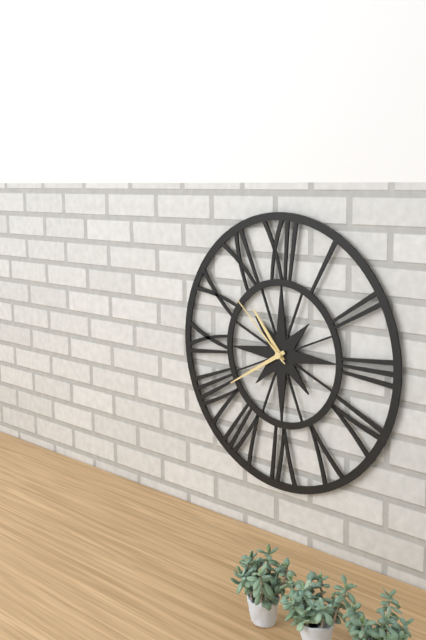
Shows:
{"hour": 10, "minute": 40, "second": 52}
